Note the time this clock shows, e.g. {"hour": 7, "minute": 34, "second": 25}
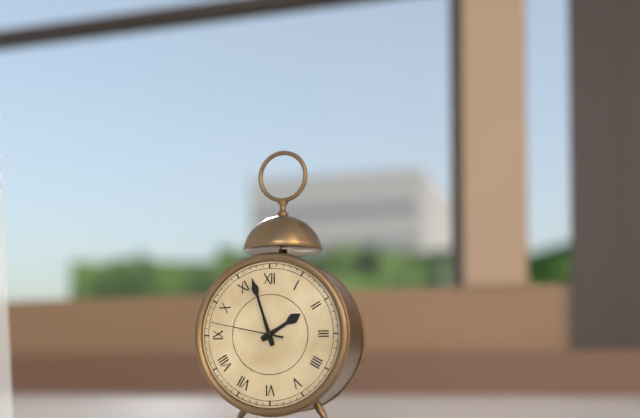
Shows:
{"hour": 1, "minute": 57, "second": 47}
